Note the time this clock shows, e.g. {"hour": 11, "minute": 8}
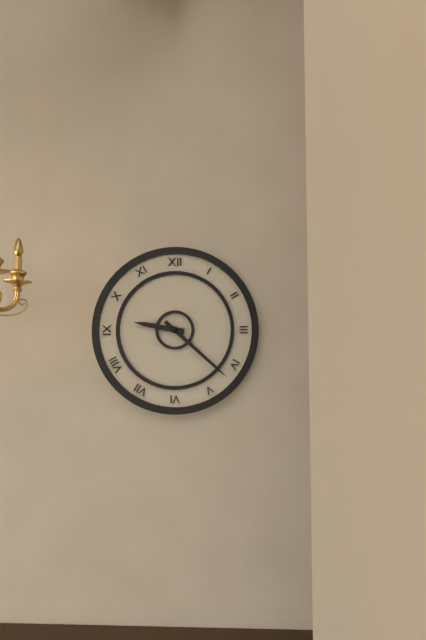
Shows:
{"hour": 9, "minute": 22}
